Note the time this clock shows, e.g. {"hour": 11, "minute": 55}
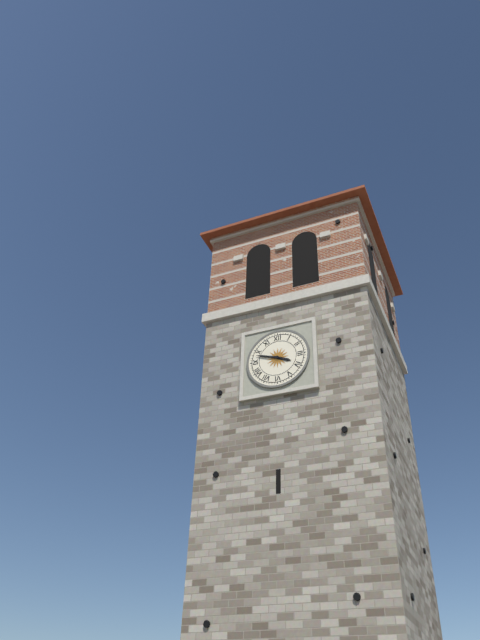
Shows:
{"hour": 3, "minute": 48}
